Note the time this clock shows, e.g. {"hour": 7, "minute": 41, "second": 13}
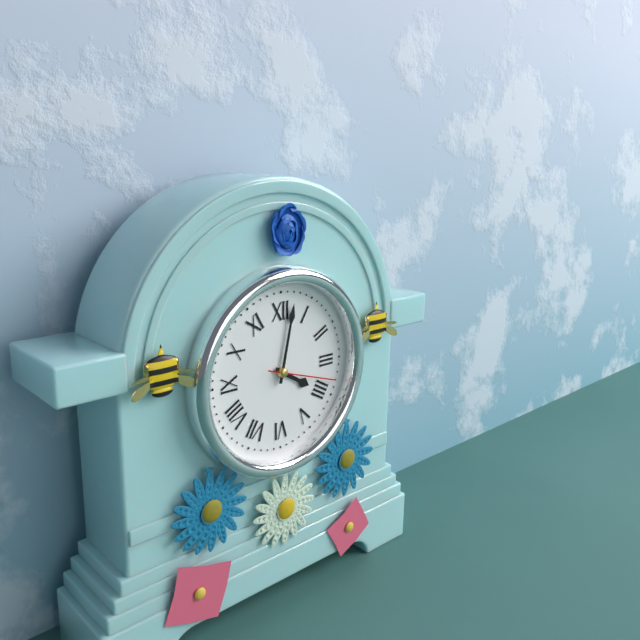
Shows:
{"hour": 4, "minute": 2, "second": 18}
